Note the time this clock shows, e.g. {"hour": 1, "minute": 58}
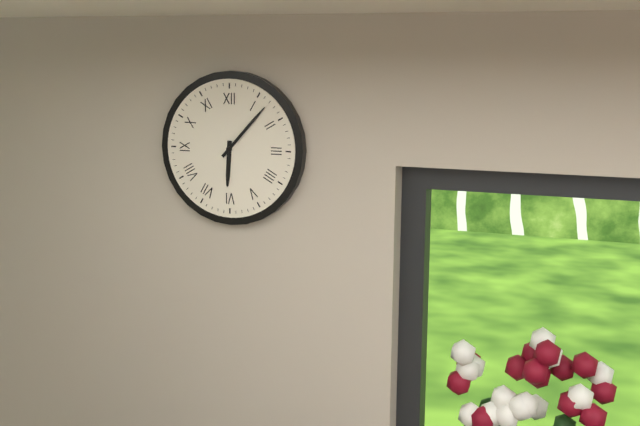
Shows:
{"hour": 6, "minute": 7}
